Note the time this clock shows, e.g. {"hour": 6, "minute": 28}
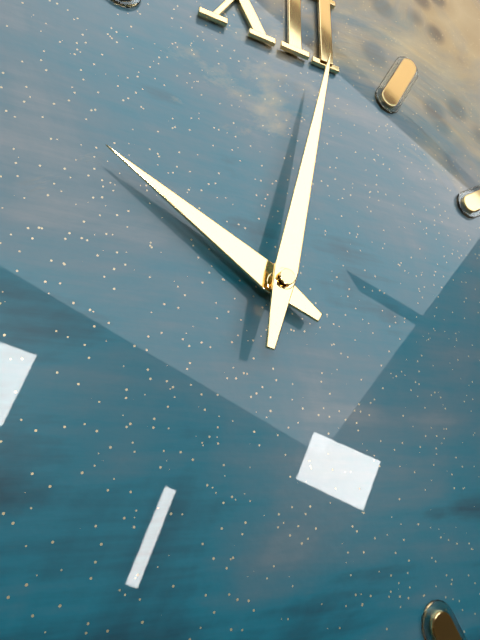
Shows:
{"hour": 10, "minute": 2}
